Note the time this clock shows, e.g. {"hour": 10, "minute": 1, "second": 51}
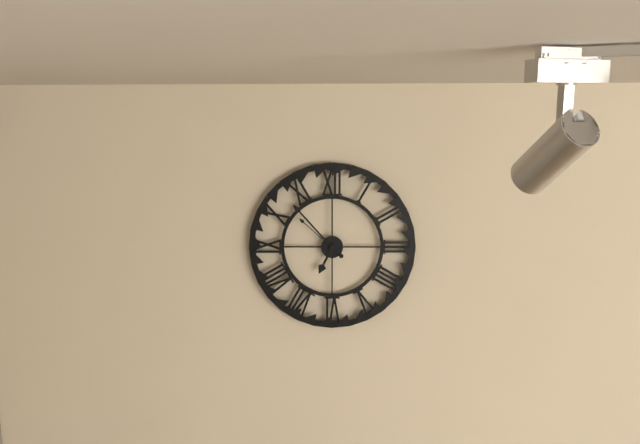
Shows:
{"hour": 6, "minute": 53, "second": 52}
